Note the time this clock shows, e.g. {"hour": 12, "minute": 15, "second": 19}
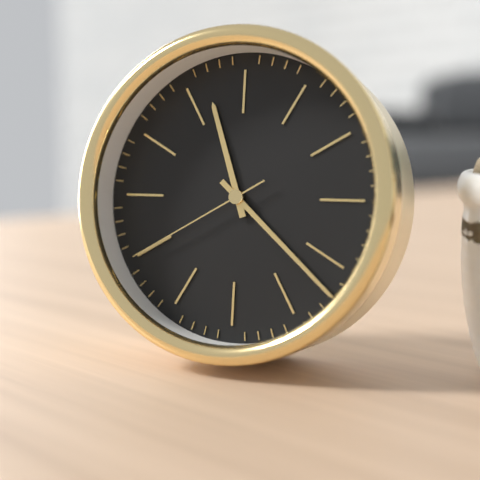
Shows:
{"hour": 11, "minute": 22, "second": 40}
